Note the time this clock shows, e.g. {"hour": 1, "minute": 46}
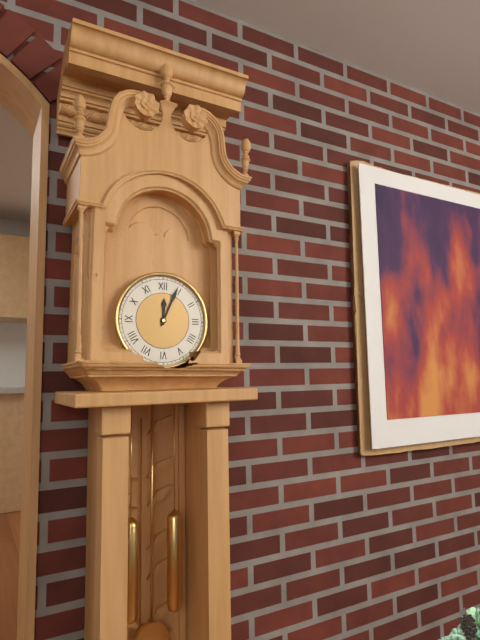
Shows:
{"hour": 12, "minute": 4}
